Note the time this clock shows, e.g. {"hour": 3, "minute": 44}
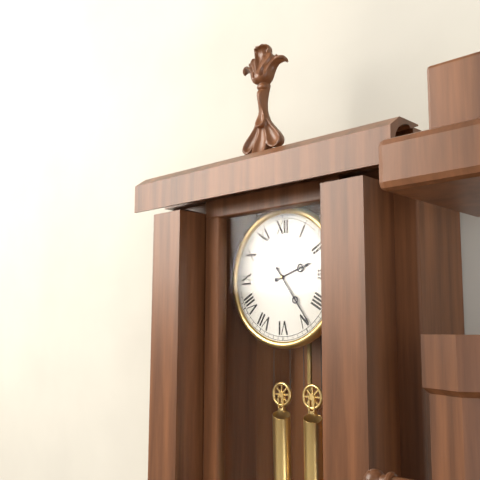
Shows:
{"hour": 2, "minute": 24}
